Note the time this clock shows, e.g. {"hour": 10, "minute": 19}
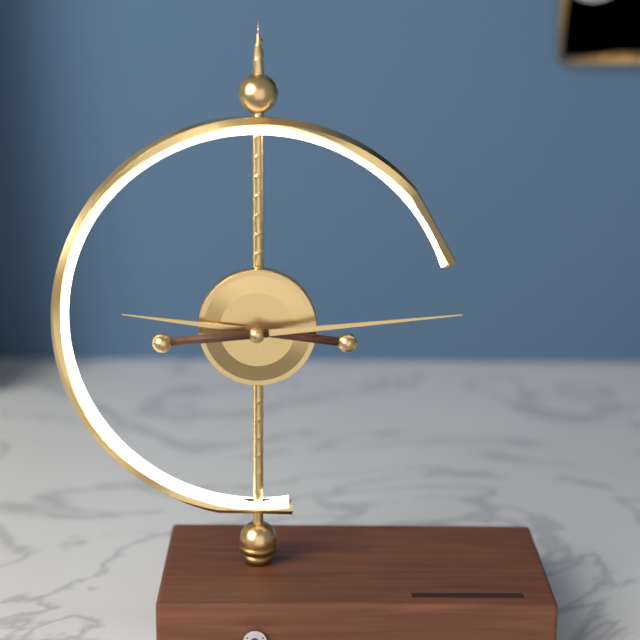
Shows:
{"hour": 9, "minute": 14}
